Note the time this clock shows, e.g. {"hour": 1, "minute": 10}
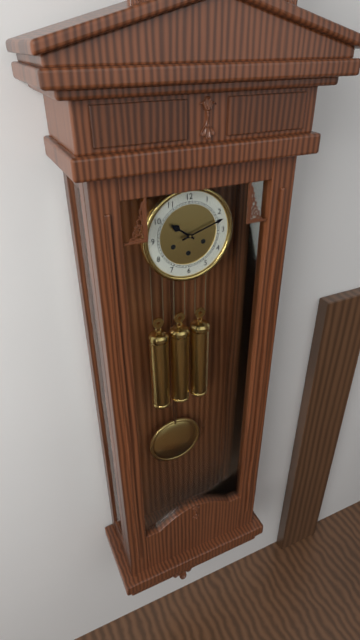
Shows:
{"hour": 10, "minute": 12}
